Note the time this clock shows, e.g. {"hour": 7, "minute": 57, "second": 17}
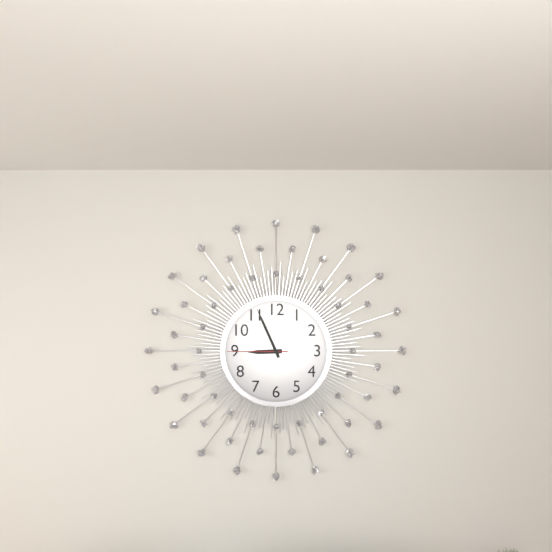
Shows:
{"hour": 8, "minute": 56, "second": 45}
